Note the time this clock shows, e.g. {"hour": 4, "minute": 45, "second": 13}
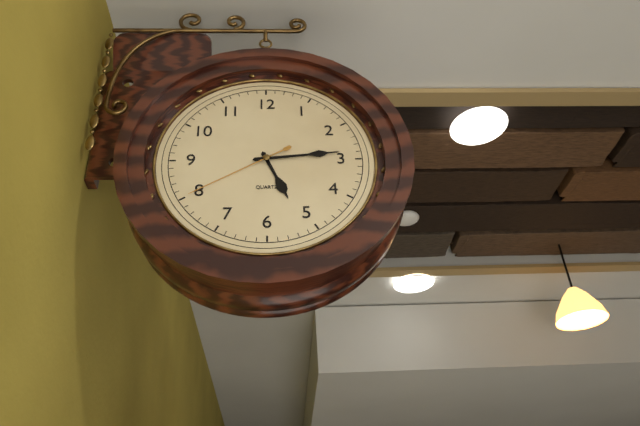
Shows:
{"hour": 5, "minute": 14, "second": 40}
